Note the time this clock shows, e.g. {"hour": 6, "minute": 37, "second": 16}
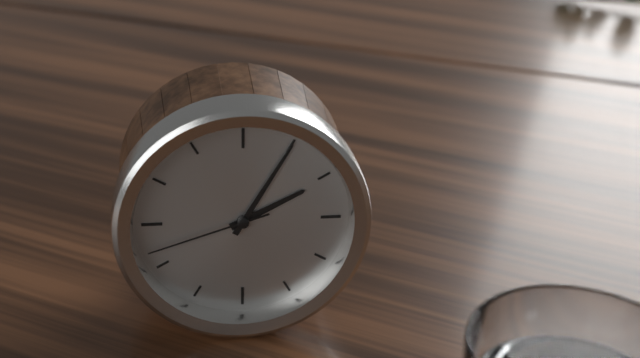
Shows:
{"hour": 2, "minute": 5, "second": 42}
